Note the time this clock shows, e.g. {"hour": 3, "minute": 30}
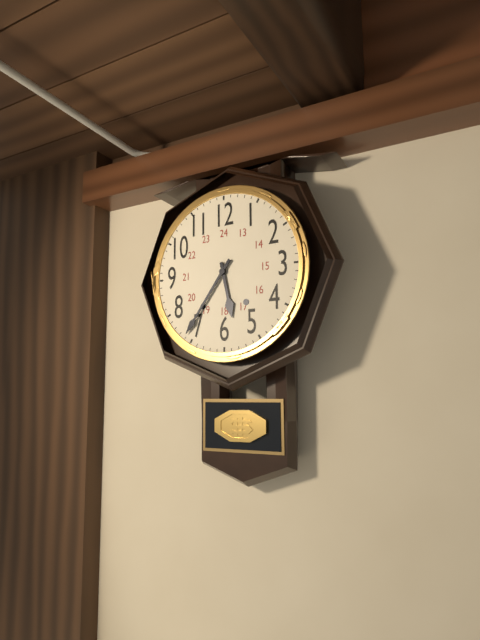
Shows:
{"hour": 5, "minute": 36}
